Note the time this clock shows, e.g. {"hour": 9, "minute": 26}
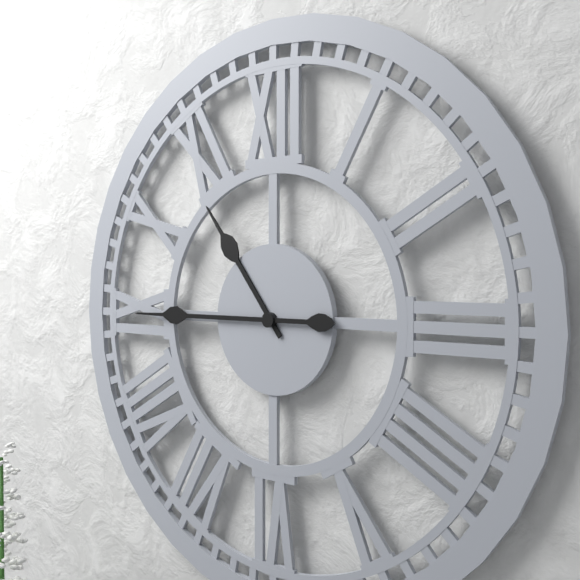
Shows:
{"hour": 10, "minute": 45}
